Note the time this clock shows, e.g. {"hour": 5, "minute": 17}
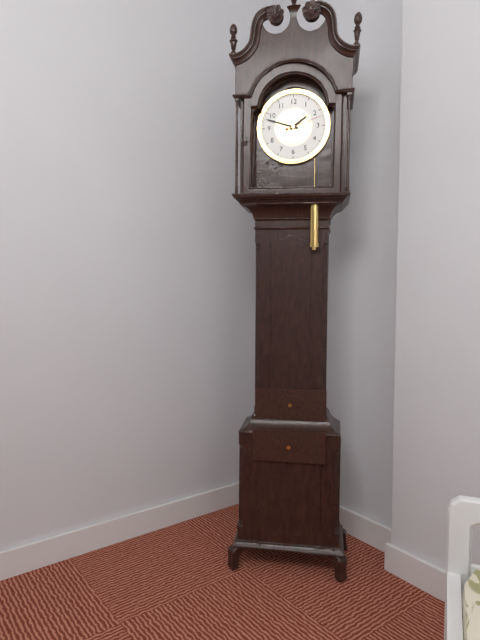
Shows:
{"hour": 1, "minute": 48}
